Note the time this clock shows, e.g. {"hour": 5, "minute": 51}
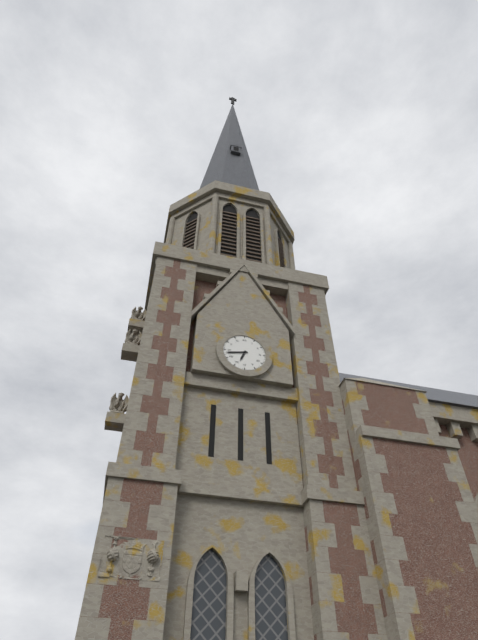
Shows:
{"hour": 6, "minute": 43}
